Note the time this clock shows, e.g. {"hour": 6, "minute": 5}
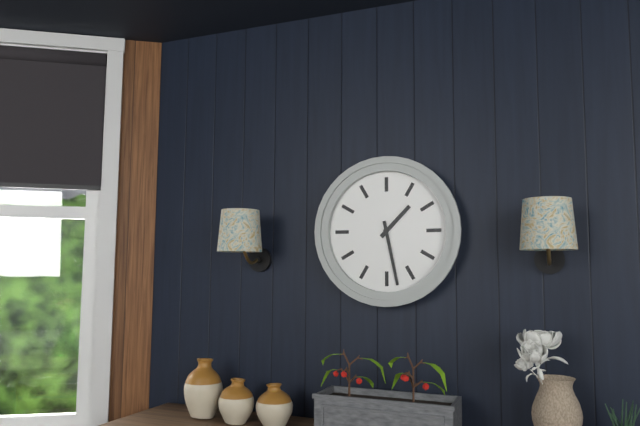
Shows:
{"hour": 1, "minute": 28}
